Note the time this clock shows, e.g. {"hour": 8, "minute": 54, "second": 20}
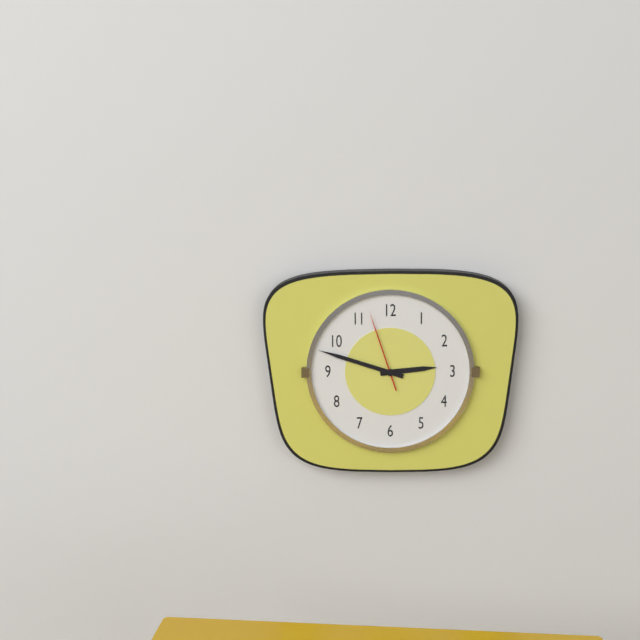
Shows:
{"hour": 2, "minute": 48, "second": 57}
